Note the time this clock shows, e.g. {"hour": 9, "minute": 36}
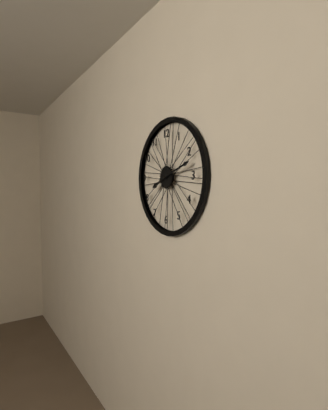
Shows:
{"hour": 8, "minute": 12}
